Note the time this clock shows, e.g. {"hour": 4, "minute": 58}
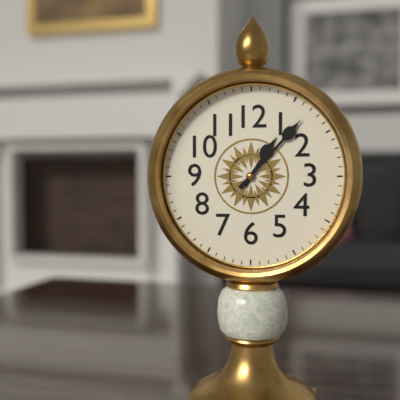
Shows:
{"hour": 1, "minute": 7}
